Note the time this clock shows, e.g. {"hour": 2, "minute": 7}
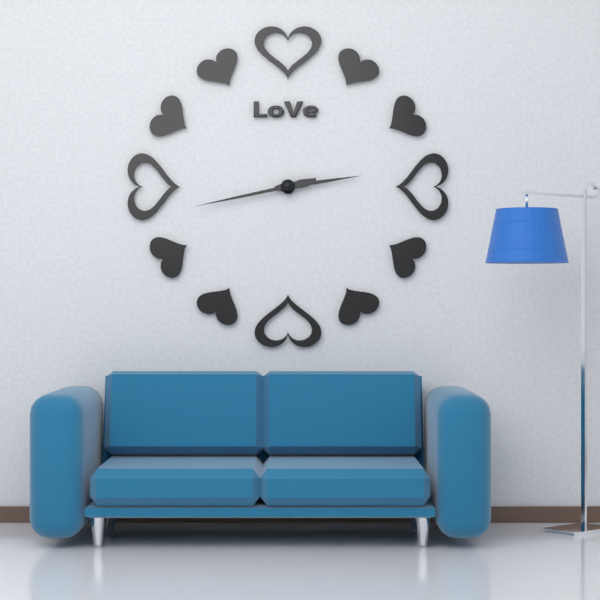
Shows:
{"hour": 2, "minute": 43}
